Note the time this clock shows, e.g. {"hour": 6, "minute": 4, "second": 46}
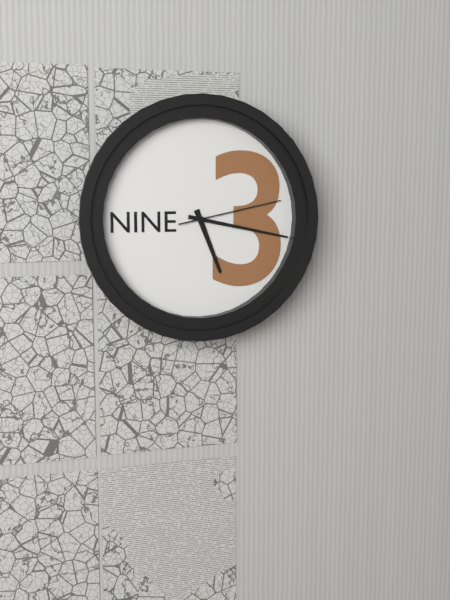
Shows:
{"hour": 5, "minute": 17, "second": 13}
